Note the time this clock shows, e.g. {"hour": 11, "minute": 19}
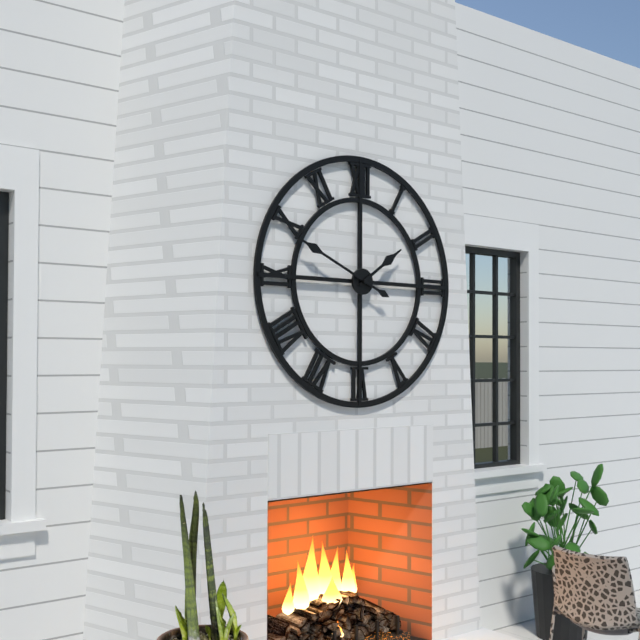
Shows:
{"hour": 1, "minute": 49}
